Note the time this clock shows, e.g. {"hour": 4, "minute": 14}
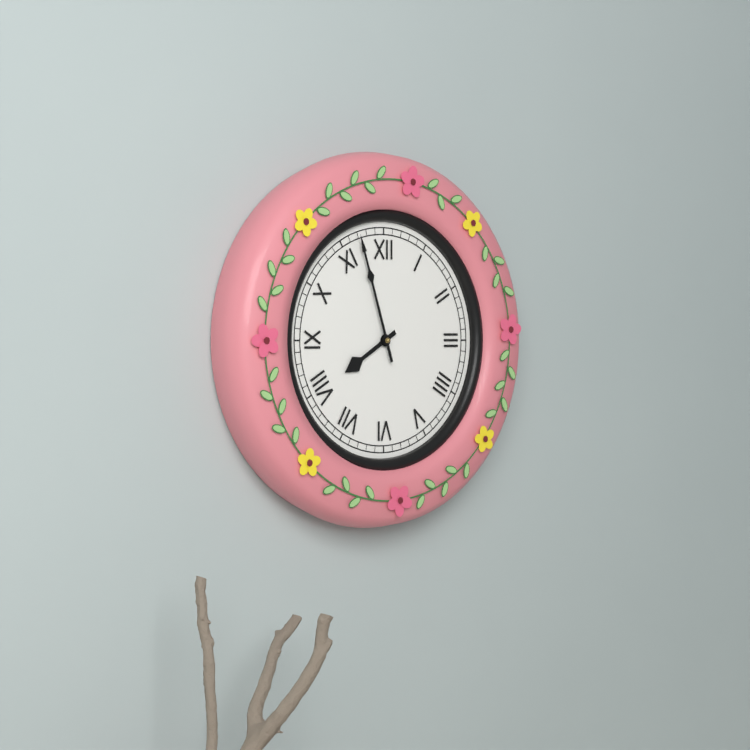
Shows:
{"hour": 7, "minute": 57}
